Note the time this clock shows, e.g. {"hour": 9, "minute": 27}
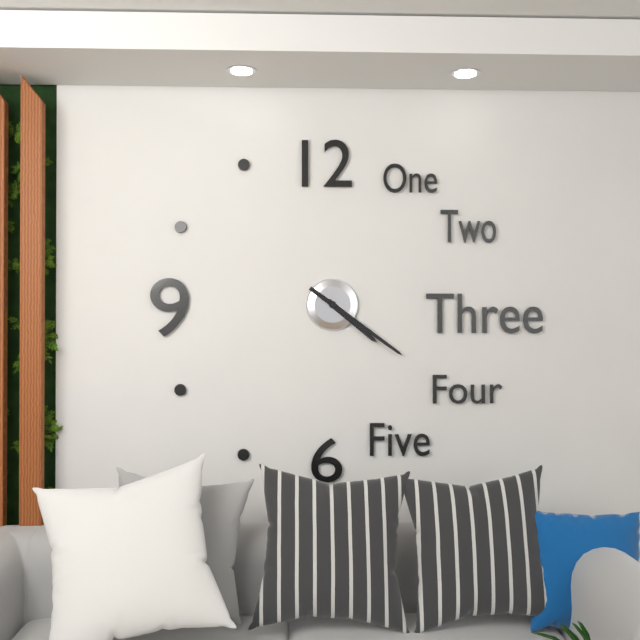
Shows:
{"hour": 4, "minute": 21}
